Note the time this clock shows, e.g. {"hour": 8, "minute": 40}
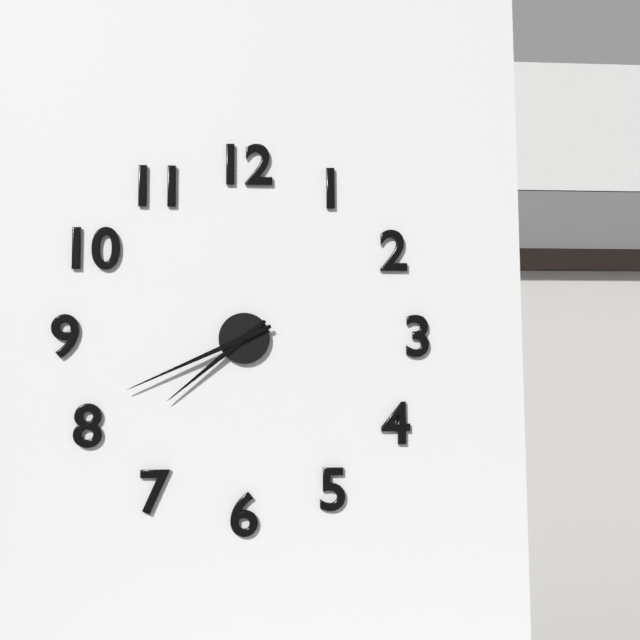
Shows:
{"hour": 7, "minute": 41}
